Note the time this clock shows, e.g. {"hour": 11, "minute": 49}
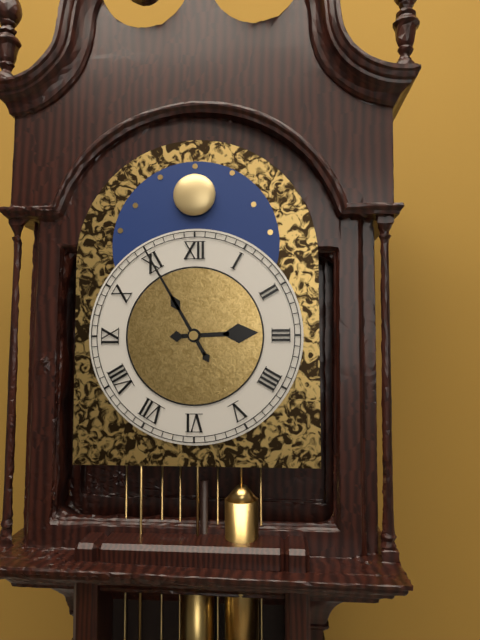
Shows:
{"hour": 2, "minute": 55}
